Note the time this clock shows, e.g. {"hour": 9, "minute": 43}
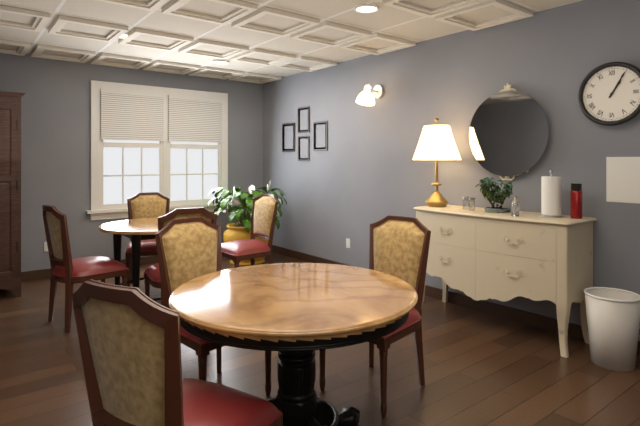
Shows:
{"hour": 1, "minute": 5}
